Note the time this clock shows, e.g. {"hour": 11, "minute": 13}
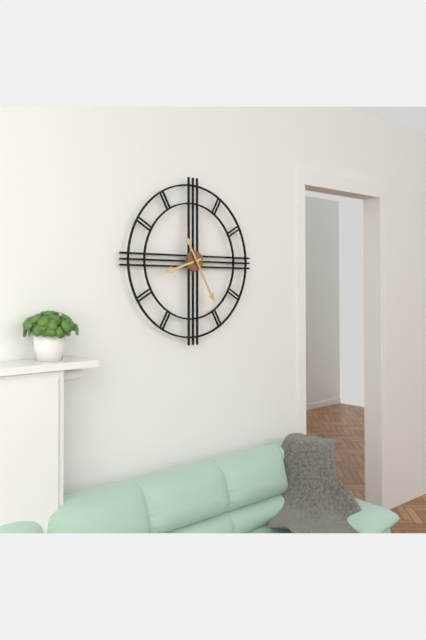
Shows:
{"hour": 8, "minute": 25}
